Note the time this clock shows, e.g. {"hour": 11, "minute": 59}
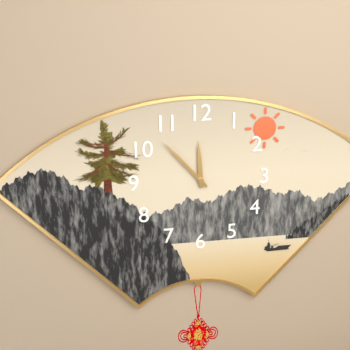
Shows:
{"hour": 11, "minute": 53}
